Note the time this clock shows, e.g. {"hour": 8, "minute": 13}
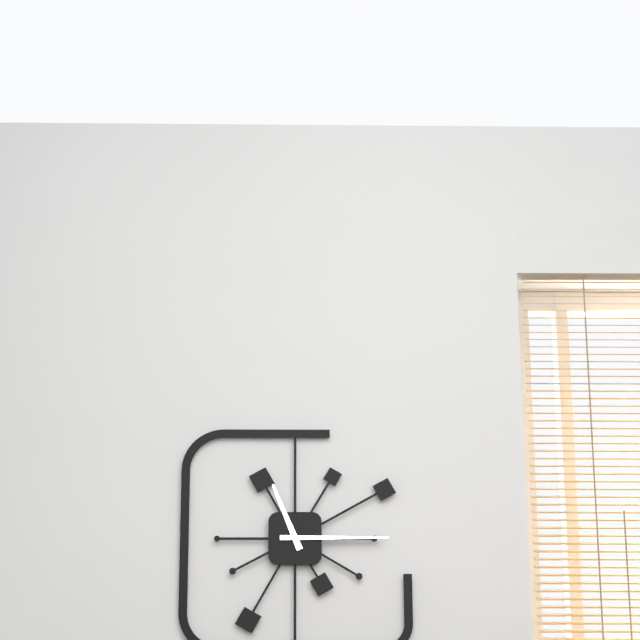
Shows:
{"hour": 11, "minute": 15}
